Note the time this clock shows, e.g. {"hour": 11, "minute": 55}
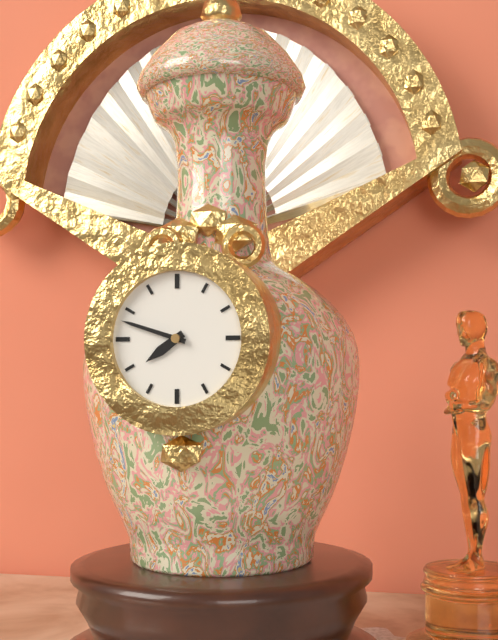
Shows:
{"hour": 7, "minute": 48}
